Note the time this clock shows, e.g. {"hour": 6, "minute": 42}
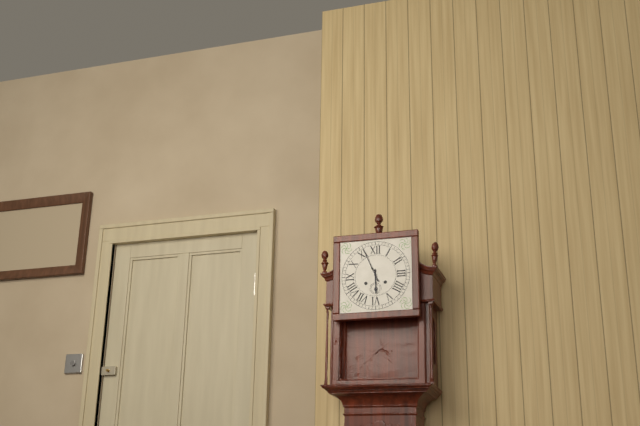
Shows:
{"hour": 5, "minute": 56}
